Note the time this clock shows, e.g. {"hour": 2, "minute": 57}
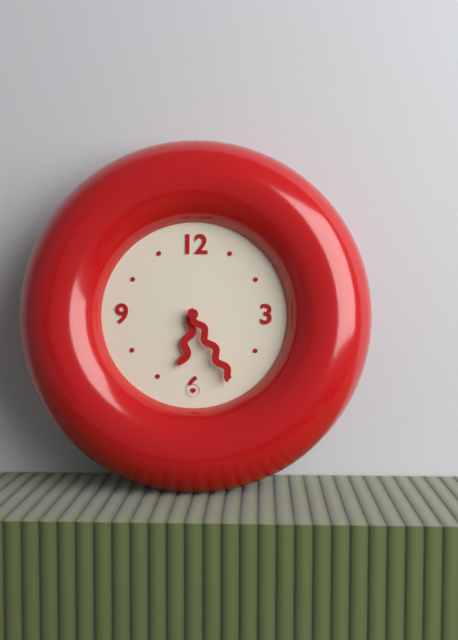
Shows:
{"hour": 6, "minute": 25}
